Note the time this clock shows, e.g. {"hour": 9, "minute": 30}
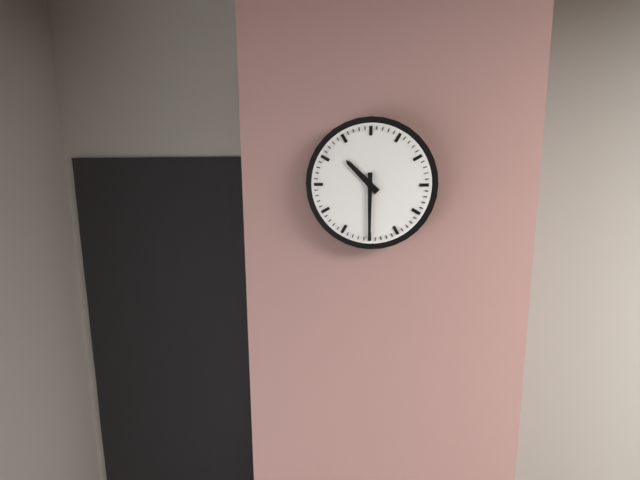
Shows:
{"hour": 10, "minute": 30}
